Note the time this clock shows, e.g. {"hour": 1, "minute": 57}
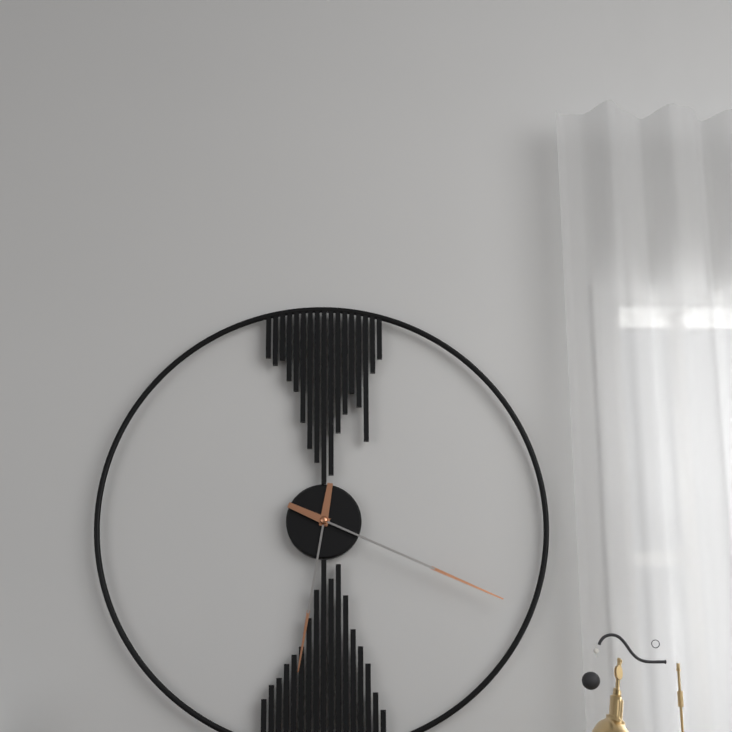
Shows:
{"hour": 6, "minute": 19}
